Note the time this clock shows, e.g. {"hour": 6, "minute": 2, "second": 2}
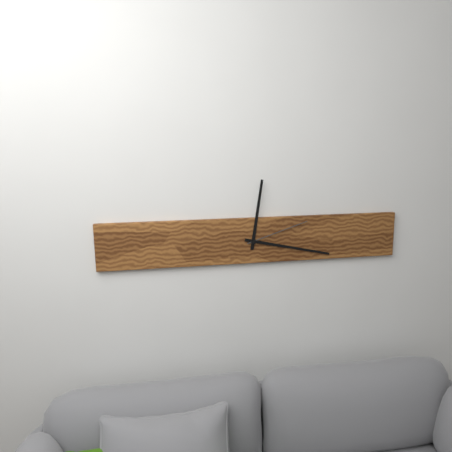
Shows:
{"hour": 12, "minute": 17, "second": 12}
